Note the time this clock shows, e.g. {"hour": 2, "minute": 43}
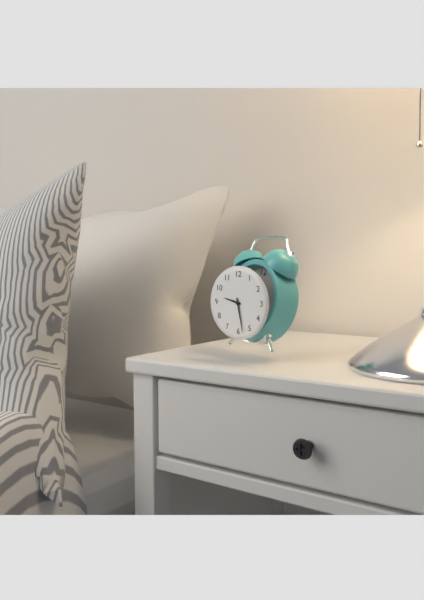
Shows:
{"hour": 9, "minute": 28}
